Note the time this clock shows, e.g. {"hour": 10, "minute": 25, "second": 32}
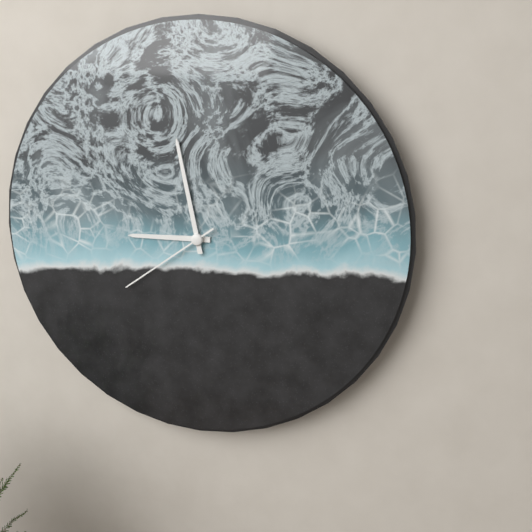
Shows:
{"hour": 8, "minute": 58, "second": 39}
